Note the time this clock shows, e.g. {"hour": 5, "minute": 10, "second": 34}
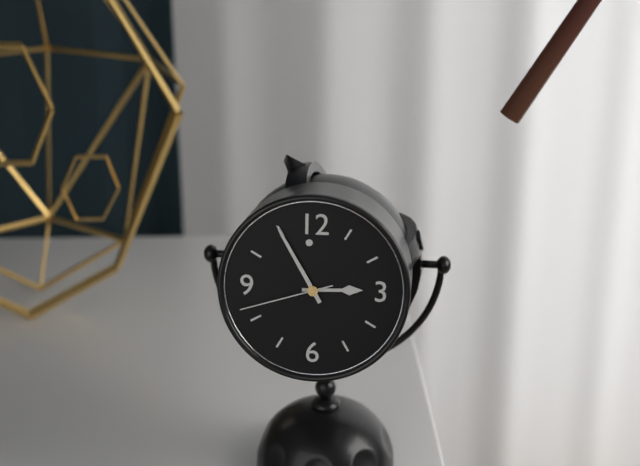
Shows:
{"hour": 2, "minute": 55, "second": 42}
